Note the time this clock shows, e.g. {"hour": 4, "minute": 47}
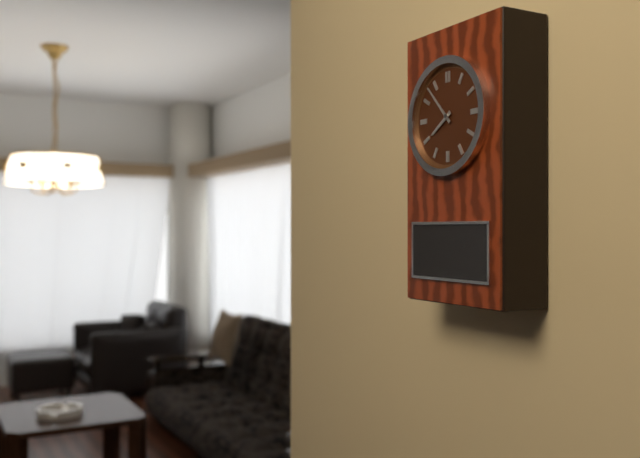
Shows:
{"hour": 7, "minute": 53}
